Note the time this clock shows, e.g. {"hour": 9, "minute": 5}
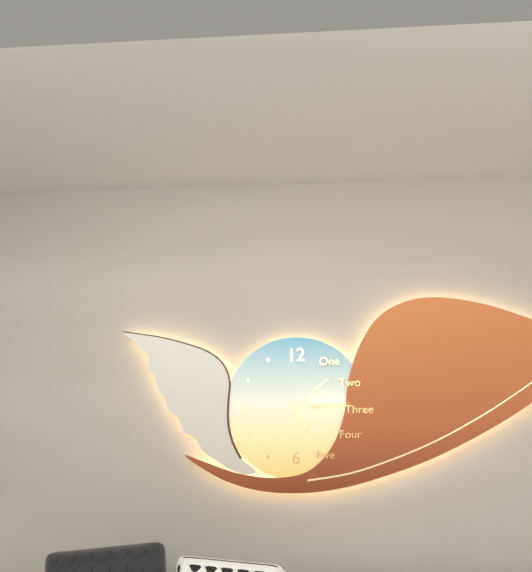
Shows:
{"hour": 5, "minute": 8}
